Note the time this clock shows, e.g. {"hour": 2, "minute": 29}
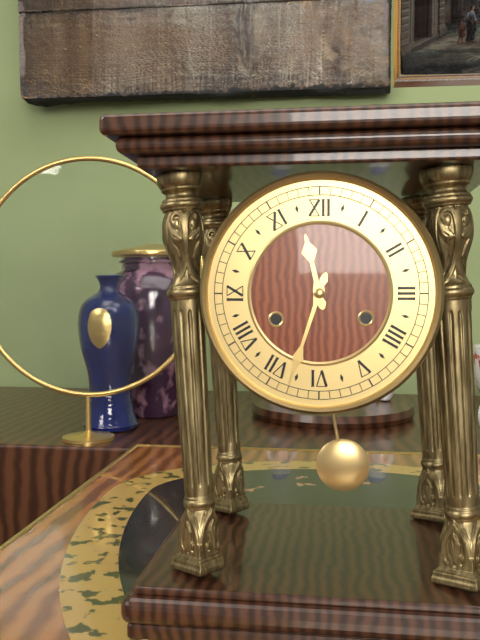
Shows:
{"hour": 11, "minute": 33}
